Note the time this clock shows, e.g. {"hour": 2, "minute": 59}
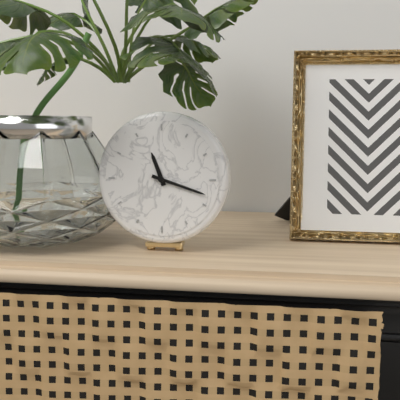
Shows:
{"hour": 11, "minute": 18}
